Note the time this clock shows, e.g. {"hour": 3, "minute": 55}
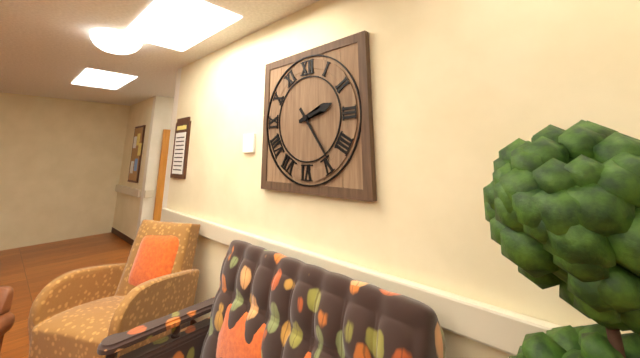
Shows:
{"hour": 2, "minute": 24}
